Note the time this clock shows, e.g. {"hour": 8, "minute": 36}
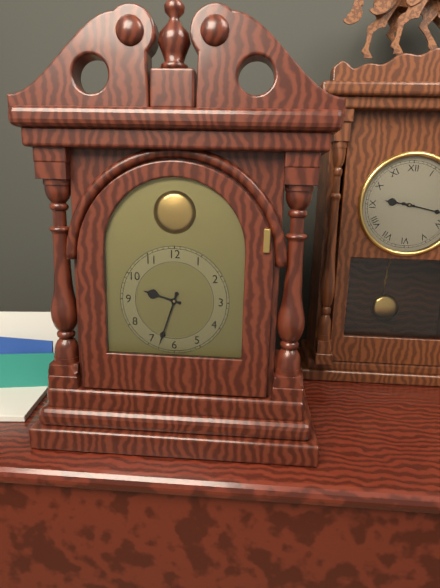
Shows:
{"hour": 9, "minute": 33}
